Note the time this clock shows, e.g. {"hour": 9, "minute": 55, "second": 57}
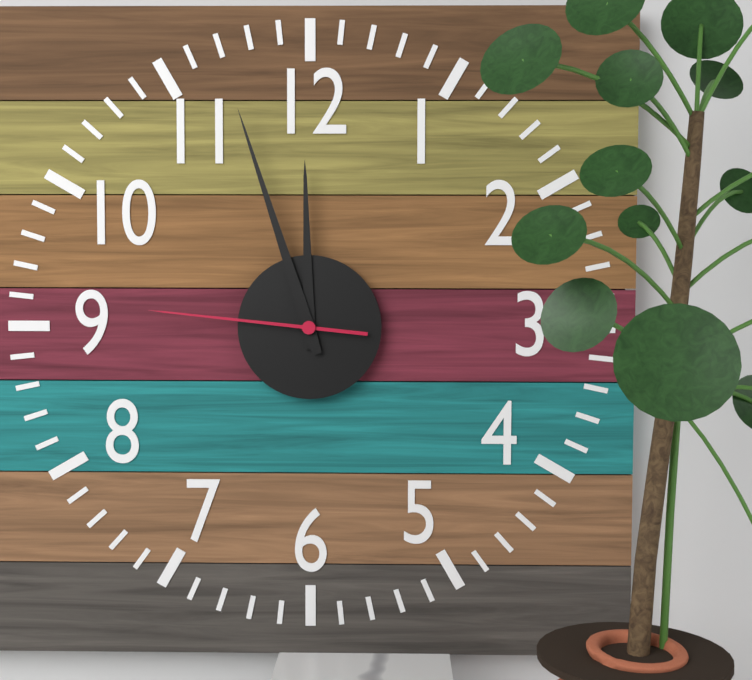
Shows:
{"hour": 11, "minute": 57, "second": 46}
